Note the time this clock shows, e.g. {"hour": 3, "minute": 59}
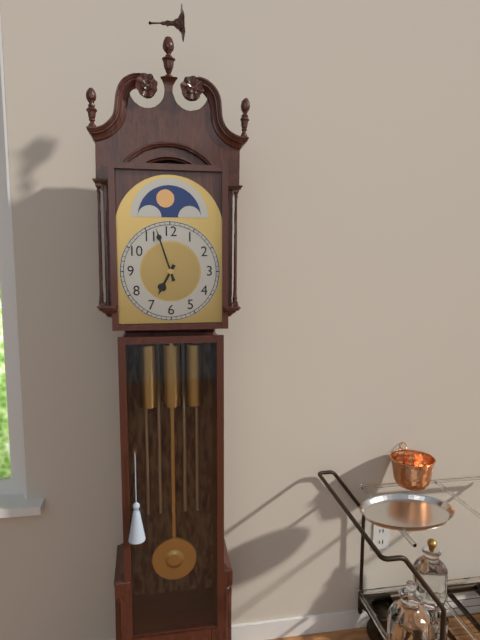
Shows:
{"hour": 6, "minute": 57}
